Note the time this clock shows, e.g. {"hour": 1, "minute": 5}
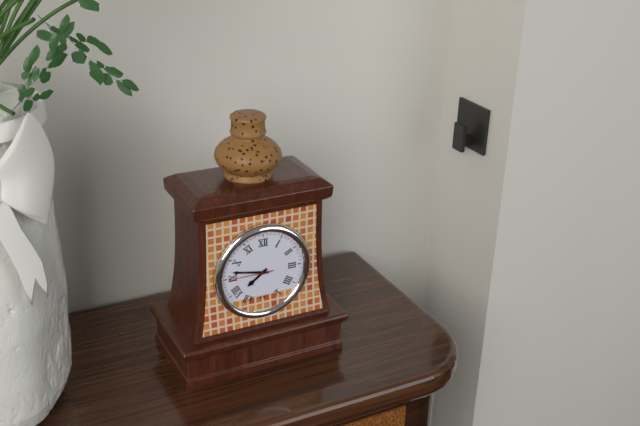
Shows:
{"hour": 7, "minute": 47}
